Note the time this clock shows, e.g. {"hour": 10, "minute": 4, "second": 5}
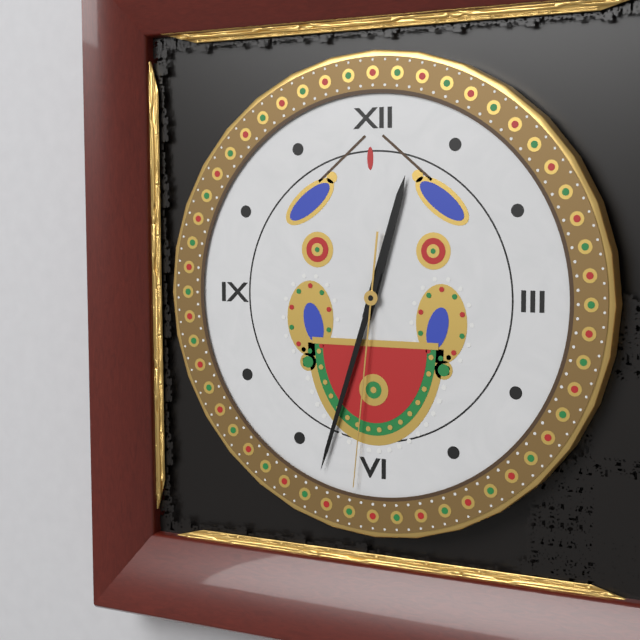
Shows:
{"hour": 12, "minute": 33, "second": 31}
